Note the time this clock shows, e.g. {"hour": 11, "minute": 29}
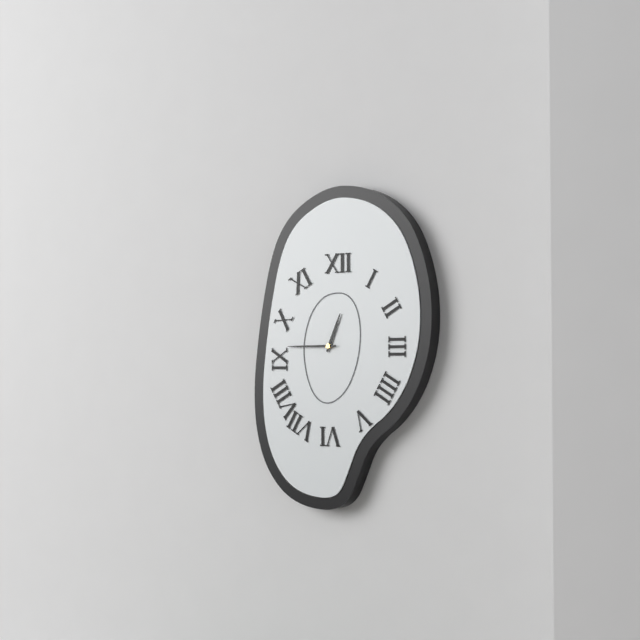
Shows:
{"hour": 12, "minute": 45}
